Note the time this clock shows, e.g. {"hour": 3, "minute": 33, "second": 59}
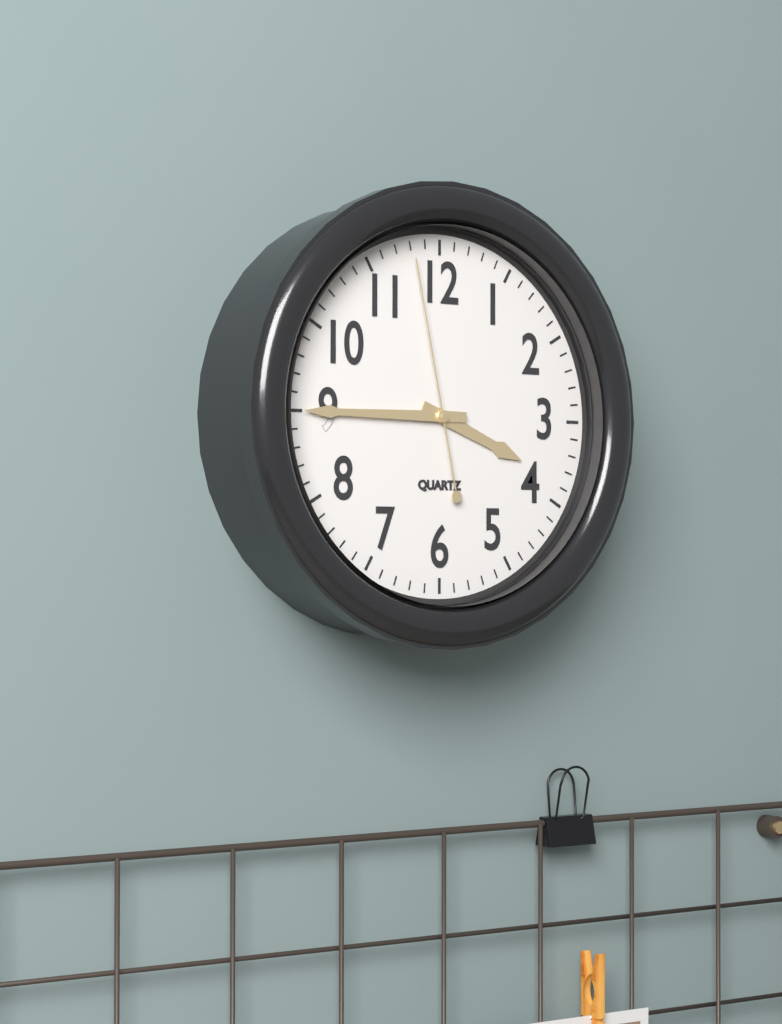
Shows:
{"hour": 3, "minute": 45, "second": 58}
